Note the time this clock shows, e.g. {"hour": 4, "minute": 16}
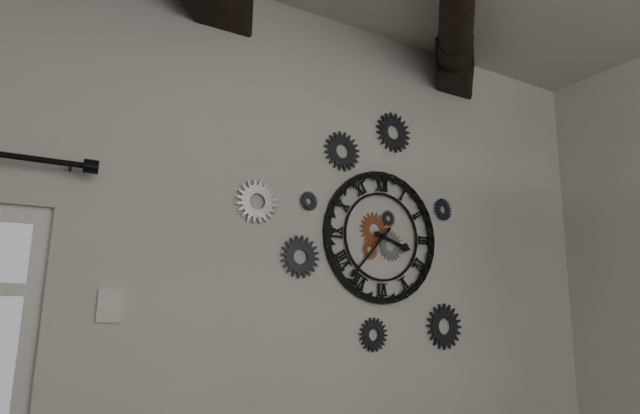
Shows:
{"hour": 3, "minute": 37}
